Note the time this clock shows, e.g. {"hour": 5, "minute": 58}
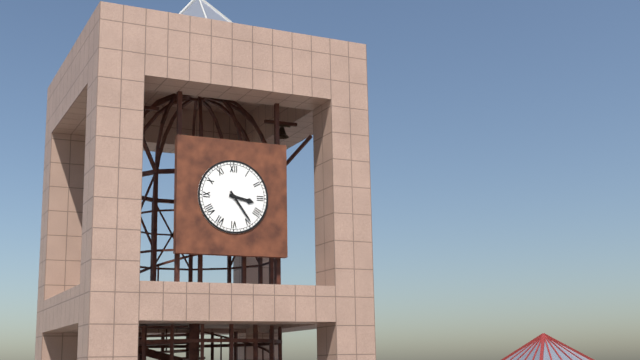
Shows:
{"hour": 3, "minute": 24}
